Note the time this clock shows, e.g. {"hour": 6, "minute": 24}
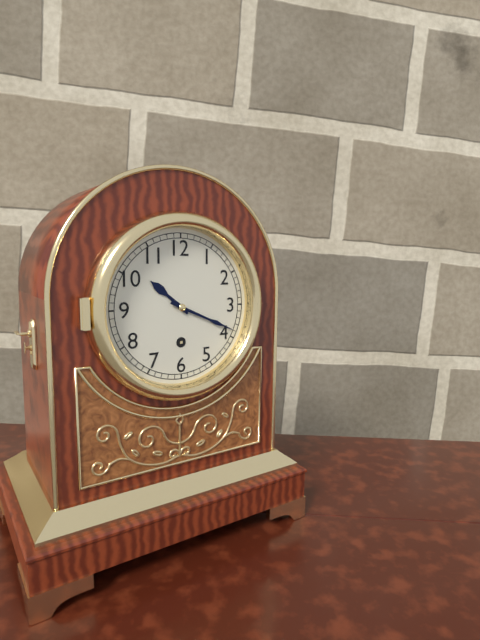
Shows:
{"hour": 10, "minute": 19}
